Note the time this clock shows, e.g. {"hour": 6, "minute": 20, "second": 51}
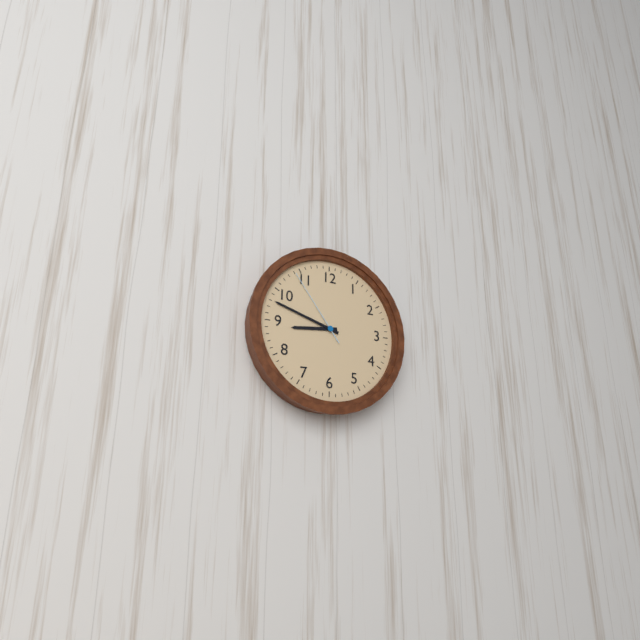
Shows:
{"hour": 8, "minute": 48, "second": 54}
